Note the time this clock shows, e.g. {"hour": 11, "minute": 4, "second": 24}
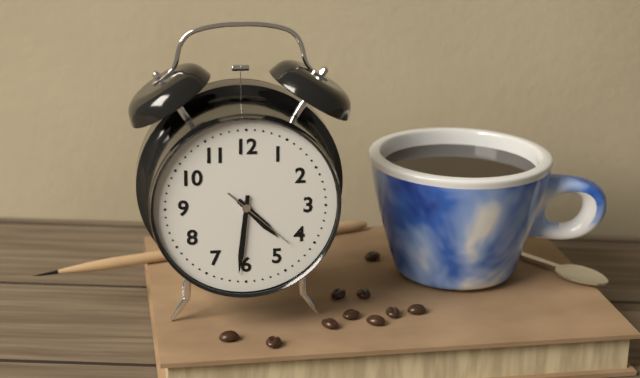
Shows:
{"hour": 4, "minute": 31, "second": 22}
